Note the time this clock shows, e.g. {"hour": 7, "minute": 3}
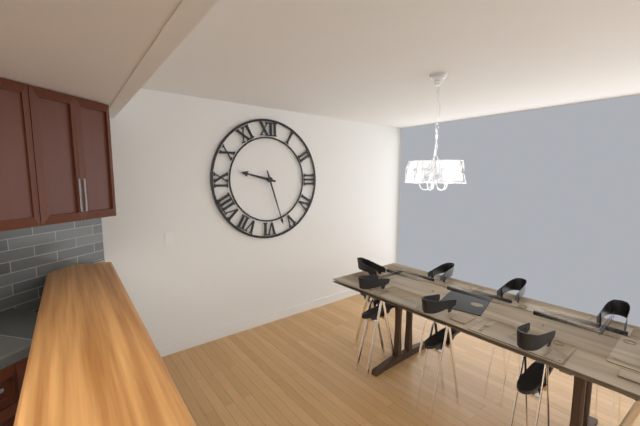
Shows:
{"hour": 9, "minute": 27}
